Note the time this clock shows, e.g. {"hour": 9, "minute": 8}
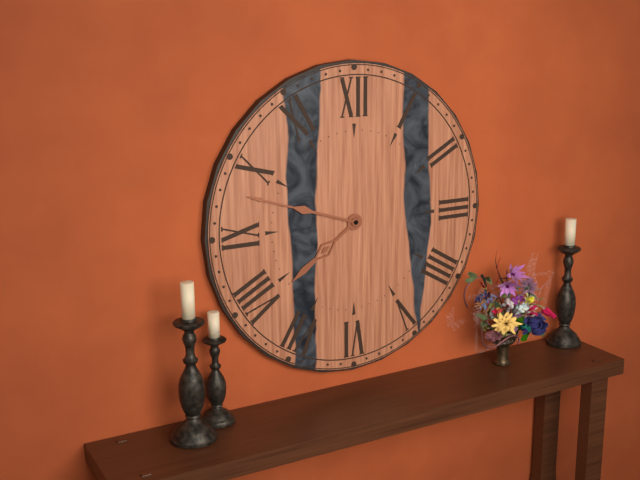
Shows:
{"hour": 7, "minute": 48}
